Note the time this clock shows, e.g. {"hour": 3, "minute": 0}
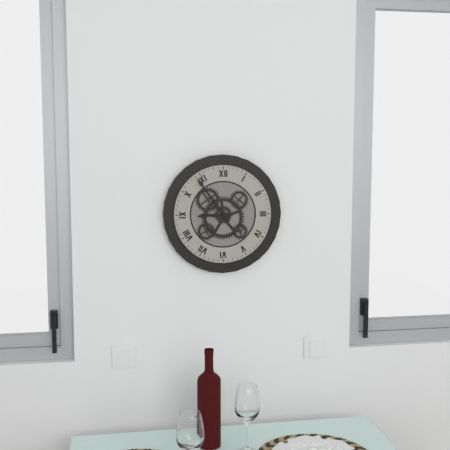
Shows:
{"hour": 8, "minute": 54}
